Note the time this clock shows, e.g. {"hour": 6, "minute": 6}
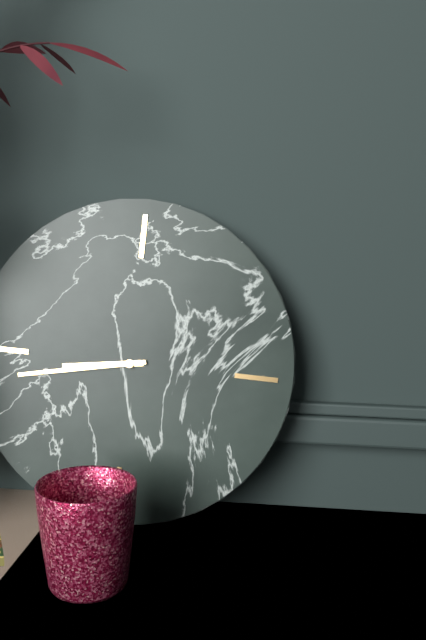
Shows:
{"hour": 8, "minute": 43}
